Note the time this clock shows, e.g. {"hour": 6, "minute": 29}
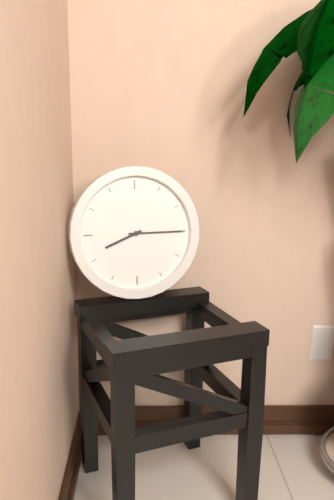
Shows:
{"hour": 8, "minute": 15}
